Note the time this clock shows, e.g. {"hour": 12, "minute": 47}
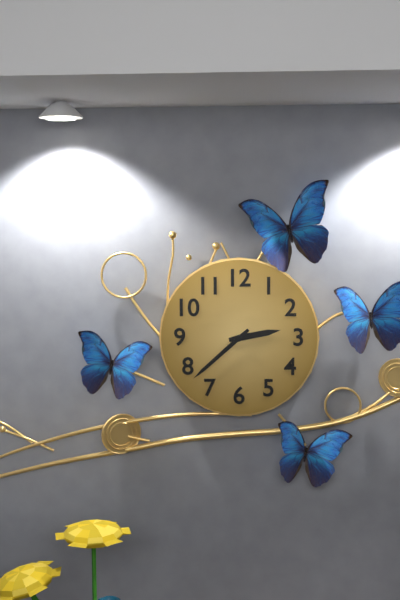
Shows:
{"hour": 2, "minute": 38}
